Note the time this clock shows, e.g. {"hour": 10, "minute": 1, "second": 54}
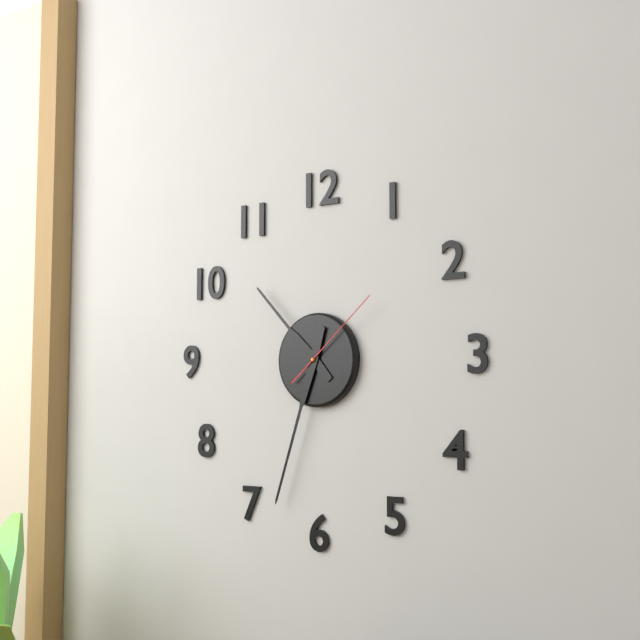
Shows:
{"hour": 10, "minute": 33, "second": 8}
